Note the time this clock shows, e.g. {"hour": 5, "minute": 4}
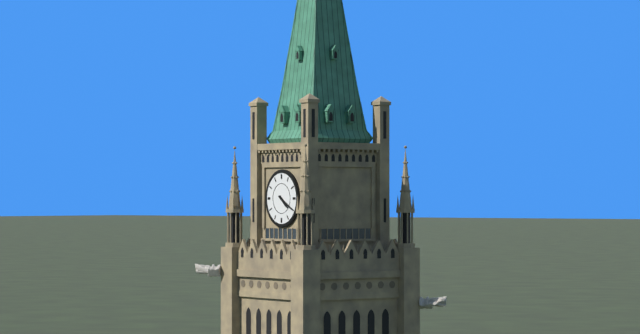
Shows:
{"hour": 4, "minute": 20}
